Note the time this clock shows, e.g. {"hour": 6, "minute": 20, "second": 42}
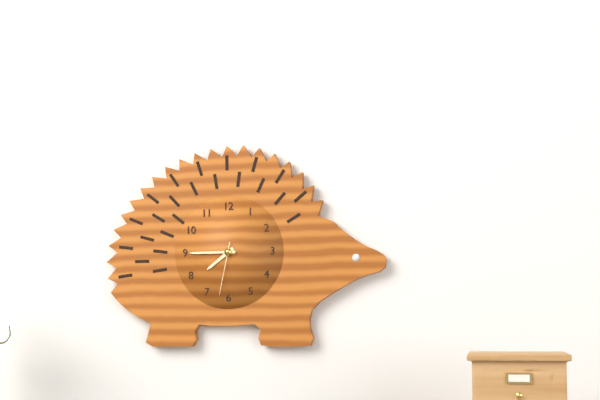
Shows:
{"hour": 7, "minute": 45, "second": 32}
